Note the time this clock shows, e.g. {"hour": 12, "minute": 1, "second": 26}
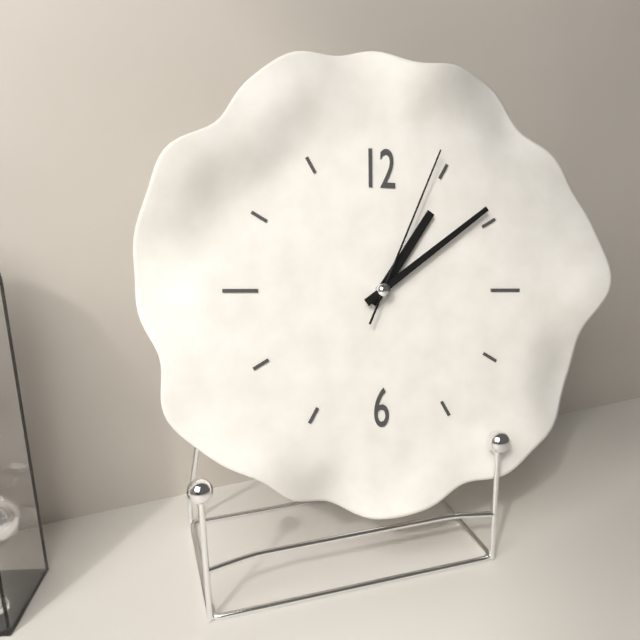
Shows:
{"hour": 1, "minute": 9, "second": 4}
